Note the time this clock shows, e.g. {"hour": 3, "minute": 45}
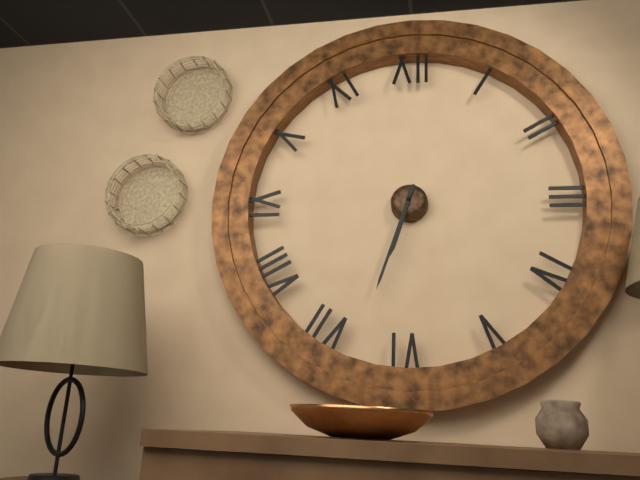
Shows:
{"hour": 6, "minute": 33}
